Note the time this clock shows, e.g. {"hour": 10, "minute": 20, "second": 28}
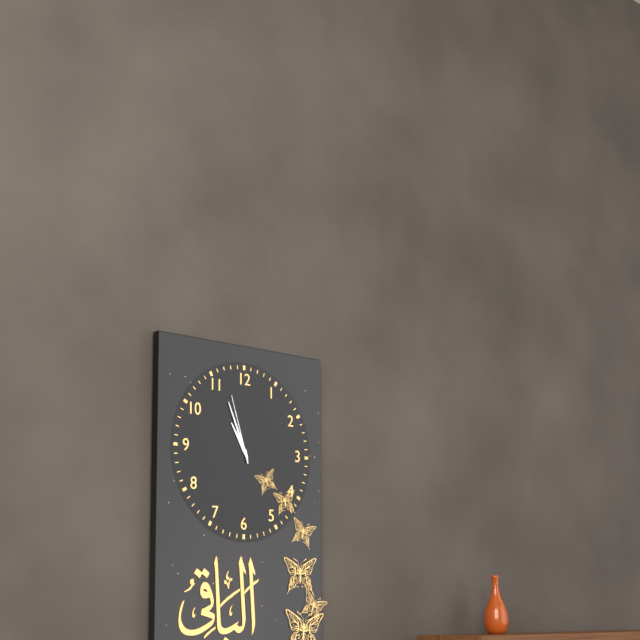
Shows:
{"hour": 10, "minute": 56, "second": 57}
